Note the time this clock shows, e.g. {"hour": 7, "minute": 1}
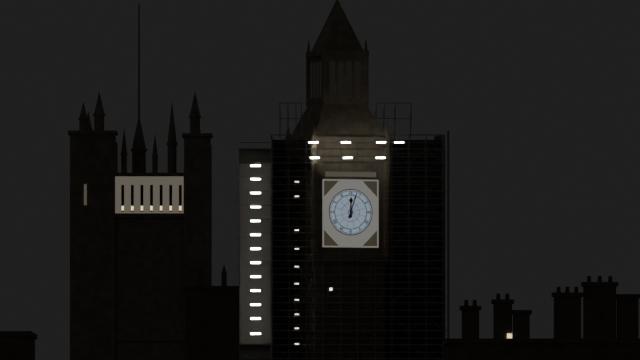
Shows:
{"hour": 12, "minute": 3}
